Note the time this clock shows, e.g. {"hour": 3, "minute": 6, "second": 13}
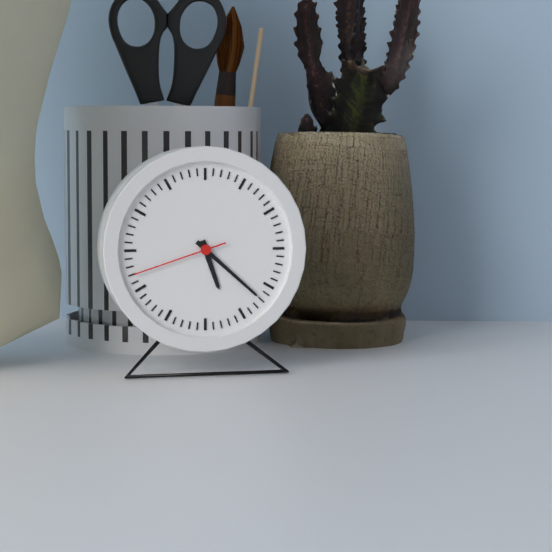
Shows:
{"hour": 5, "minute": 22, "second": 42}
